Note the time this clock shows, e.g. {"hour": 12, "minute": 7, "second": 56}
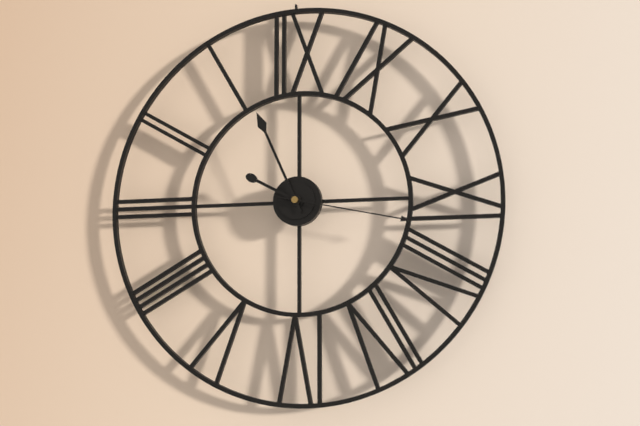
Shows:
{"hour": 9, "minute": 56, "second": 17}
